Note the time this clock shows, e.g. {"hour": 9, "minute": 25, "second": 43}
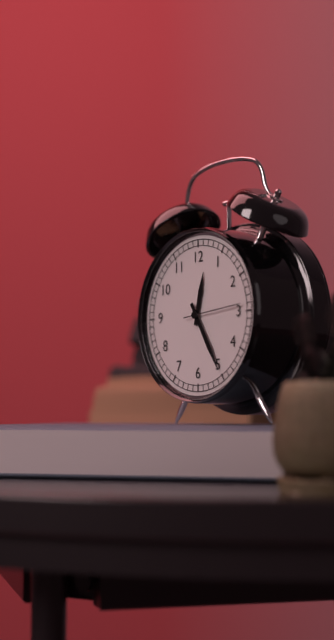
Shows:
{"hour": 12, "minute": 25, "second": 14}
